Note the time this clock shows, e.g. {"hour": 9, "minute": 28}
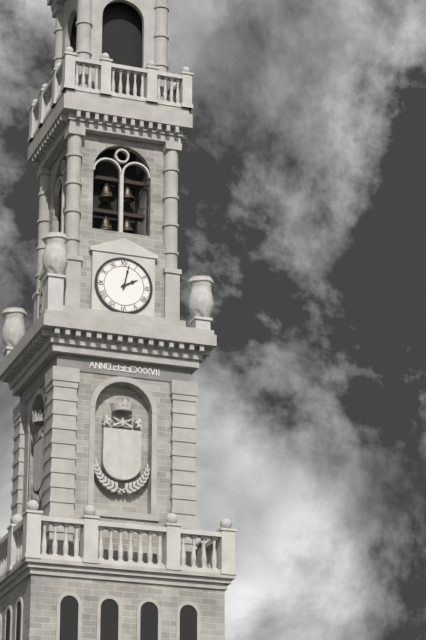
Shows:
{"hour": 2, "minute": 2}
